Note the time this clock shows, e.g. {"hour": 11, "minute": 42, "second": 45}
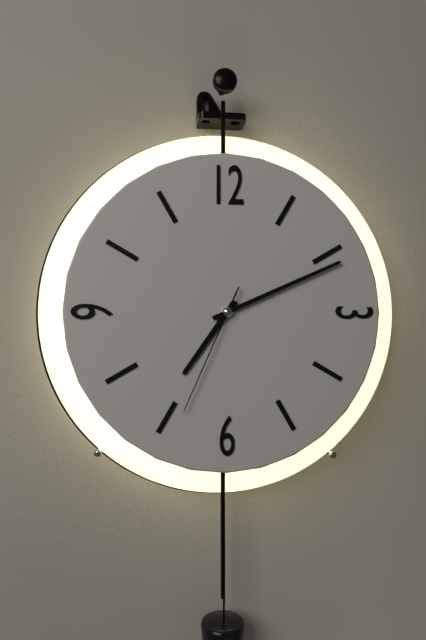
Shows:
{"hour": 7, "minute": 11, "second": 34}
